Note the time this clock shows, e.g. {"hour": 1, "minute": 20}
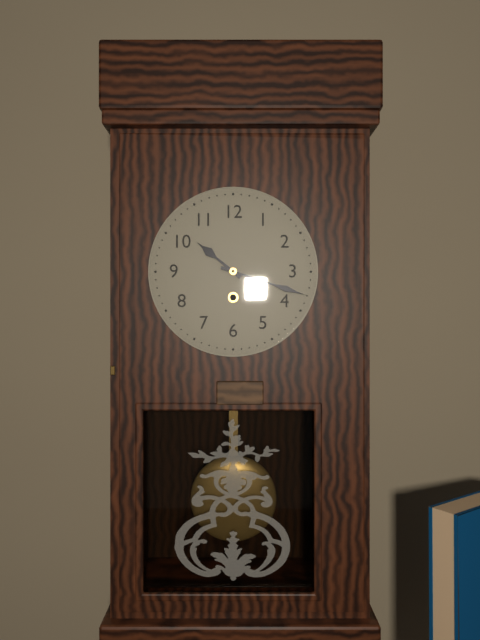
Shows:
{"hour": 10, "minute": 18}
